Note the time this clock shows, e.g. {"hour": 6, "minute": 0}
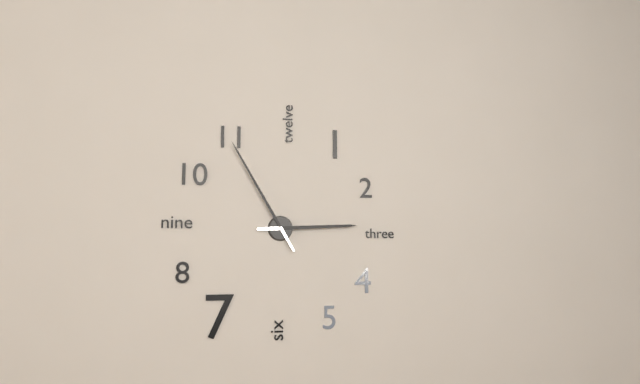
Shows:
{"hour": 2, "minute": 55}
